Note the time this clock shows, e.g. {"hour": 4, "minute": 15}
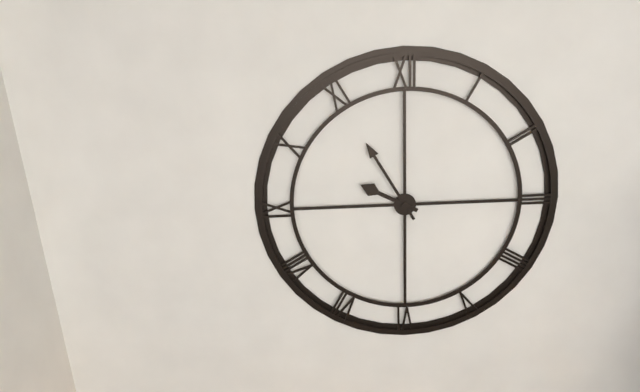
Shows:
{"hour": 9, "minute": 55}
